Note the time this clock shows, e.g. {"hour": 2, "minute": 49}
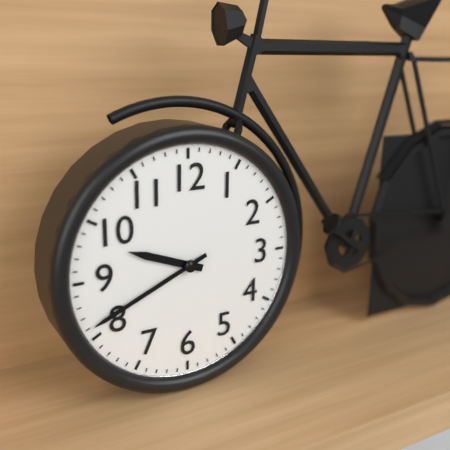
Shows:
{"hour": 9, "minute": 41}
